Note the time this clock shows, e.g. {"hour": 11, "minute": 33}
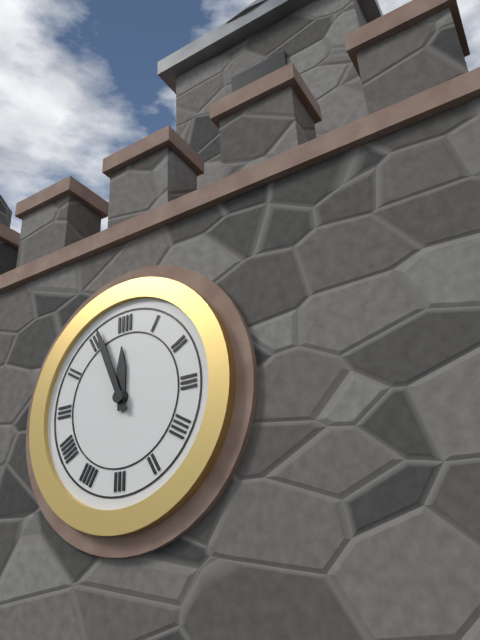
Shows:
{"hour": 11, "minute": 56}
